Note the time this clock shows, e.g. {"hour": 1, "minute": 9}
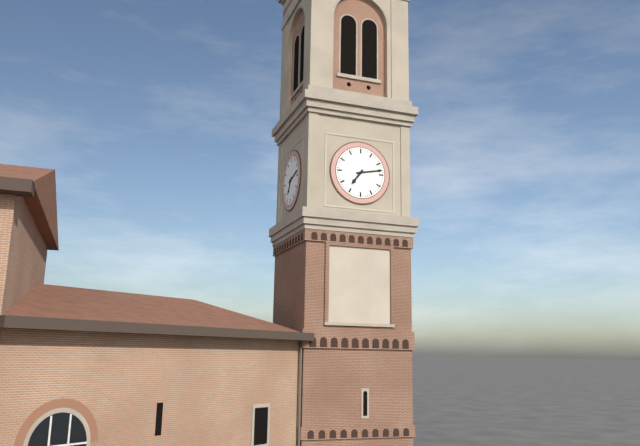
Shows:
{"hour": 7, "minute": 13}
